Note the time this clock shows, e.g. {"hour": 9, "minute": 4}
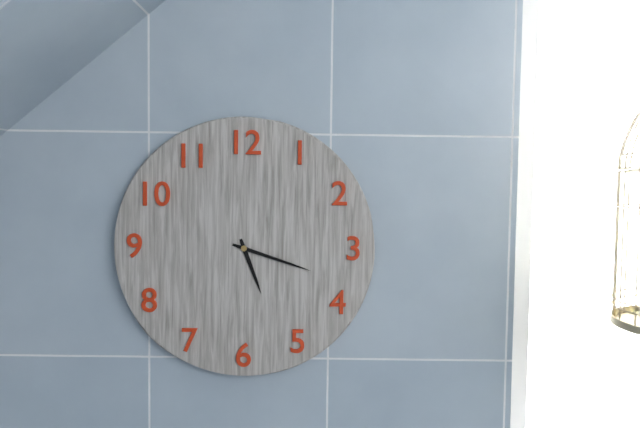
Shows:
{"hour": 5, "minute": 18}
